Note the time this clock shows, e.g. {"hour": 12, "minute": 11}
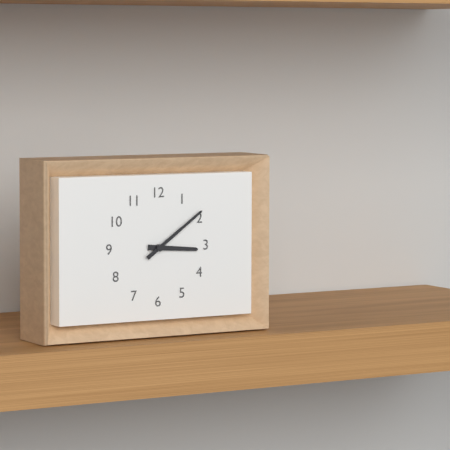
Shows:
{"hour": 3, "minute": 9}
